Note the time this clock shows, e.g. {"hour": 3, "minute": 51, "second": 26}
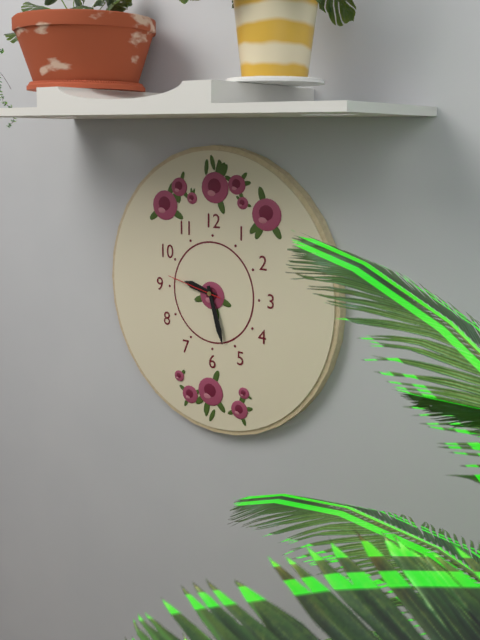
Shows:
{"hour": 9, "minute": 27, "second": 47}
